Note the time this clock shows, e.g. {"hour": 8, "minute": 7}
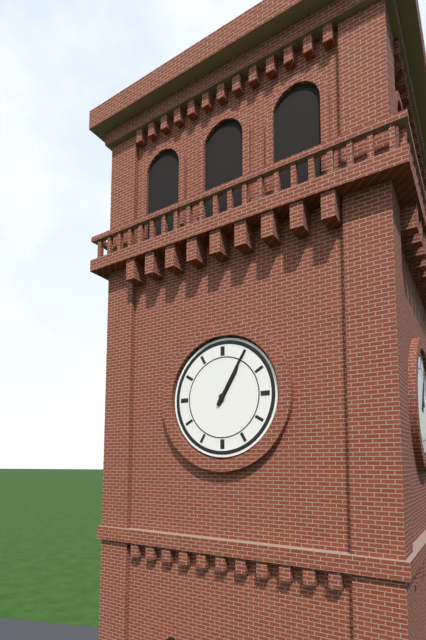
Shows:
{"hour": 1, "minute": 5}
